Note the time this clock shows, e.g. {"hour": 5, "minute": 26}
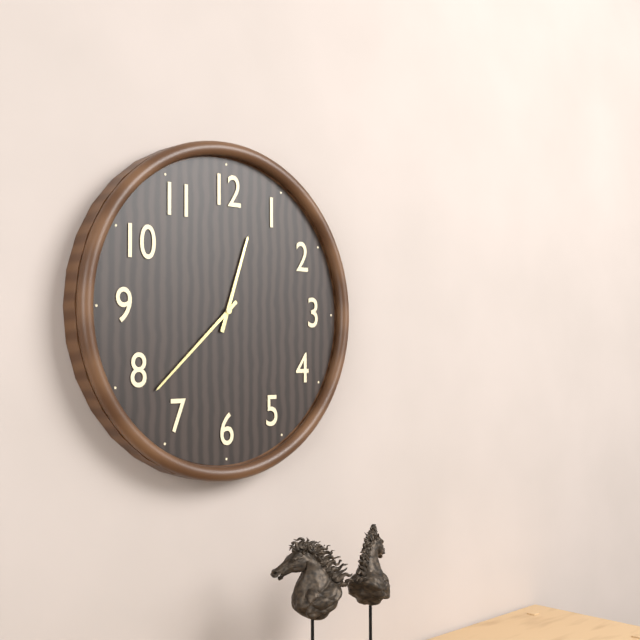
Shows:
{"hour": 12, "minute": 38}
